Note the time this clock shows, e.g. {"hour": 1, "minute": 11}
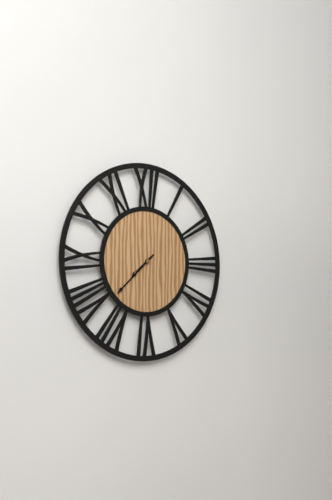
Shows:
{"hour": 7, "minute": 38}
